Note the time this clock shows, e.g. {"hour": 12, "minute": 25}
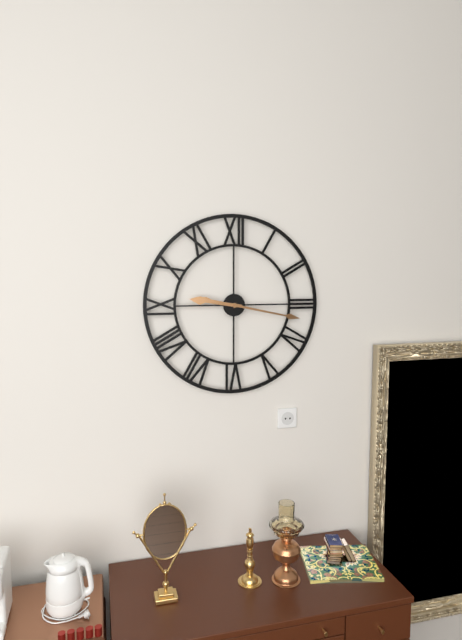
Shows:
{"hour": 9, "minute": 17}
